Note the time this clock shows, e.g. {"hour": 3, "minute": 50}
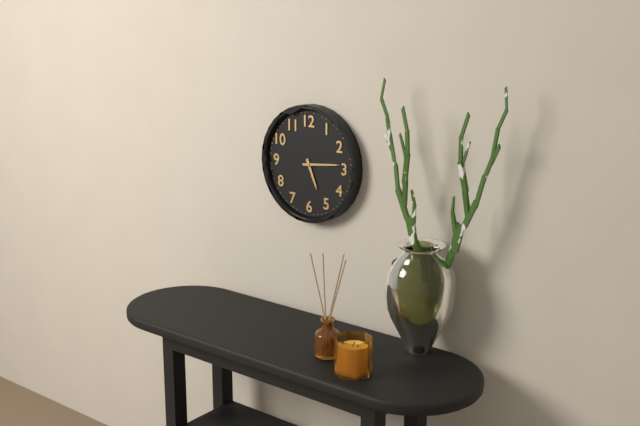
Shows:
{"hour": 5, "minute": 14}
